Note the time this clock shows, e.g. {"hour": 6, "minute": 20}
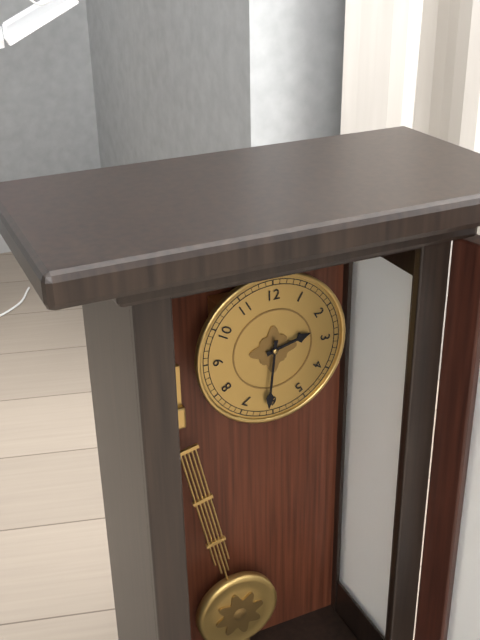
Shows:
{"hour": 2, "minute": 31}
